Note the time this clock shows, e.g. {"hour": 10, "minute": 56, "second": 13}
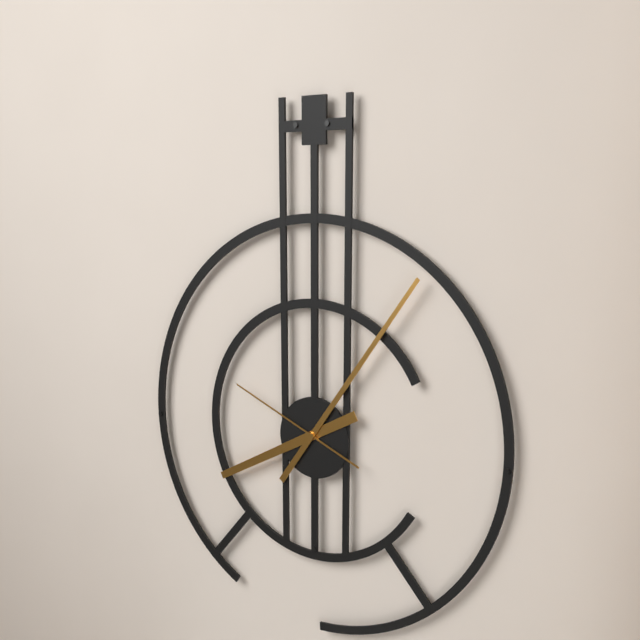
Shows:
{"hour": 8, "minute": 6, "second": 49}
